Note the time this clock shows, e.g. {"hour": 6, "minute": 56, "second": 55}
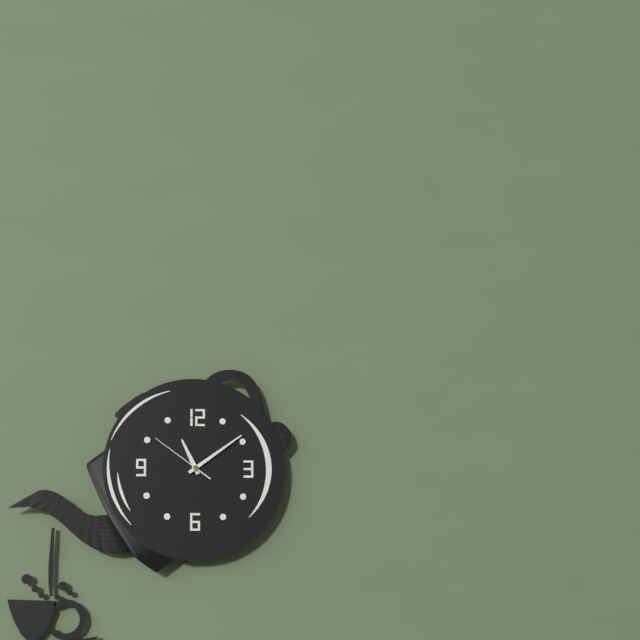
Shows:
{"hour": 11, "minute": 9, "second": 51}
